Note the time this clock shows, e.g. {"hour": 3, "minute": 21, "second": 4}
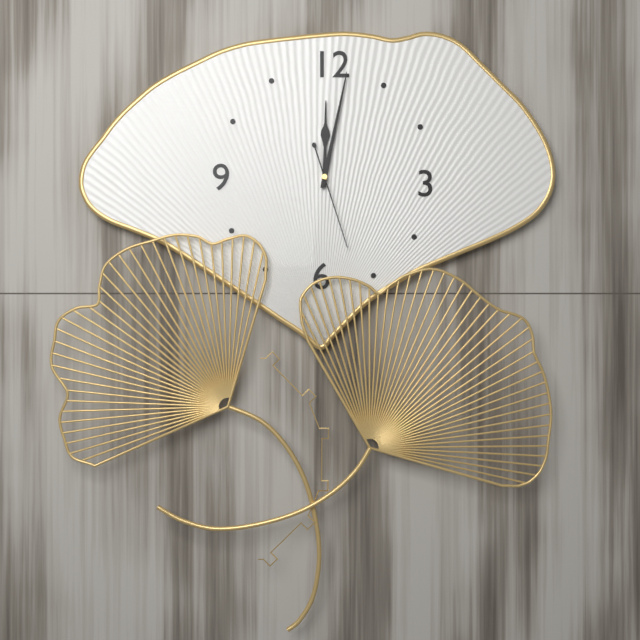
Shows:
{"hour": 12, "minute": 2, "second": 27}
